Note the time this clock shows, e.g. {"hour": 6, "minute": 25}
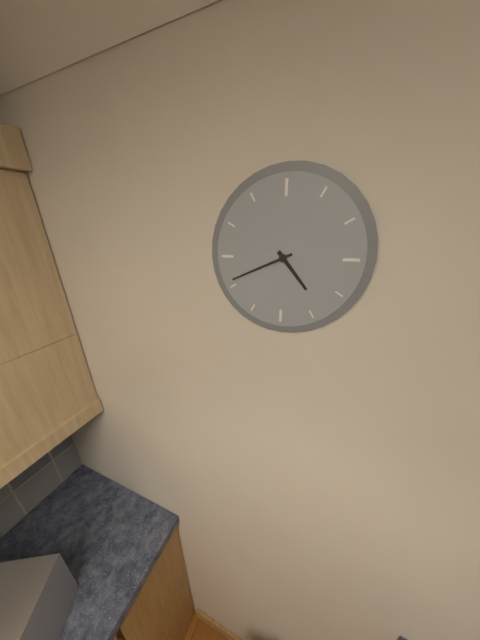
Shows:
{"hour": 4, "minute": 41}
